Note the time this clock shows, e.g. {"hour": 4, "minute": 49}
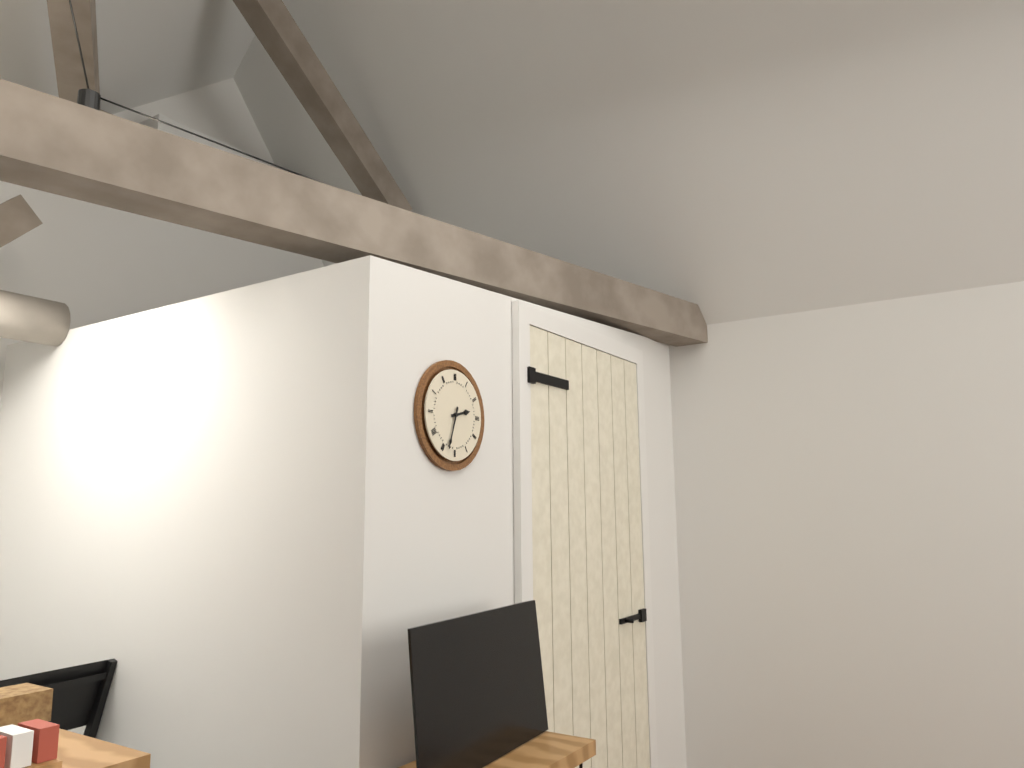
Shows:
{"hour": 2, "minute": 33}
